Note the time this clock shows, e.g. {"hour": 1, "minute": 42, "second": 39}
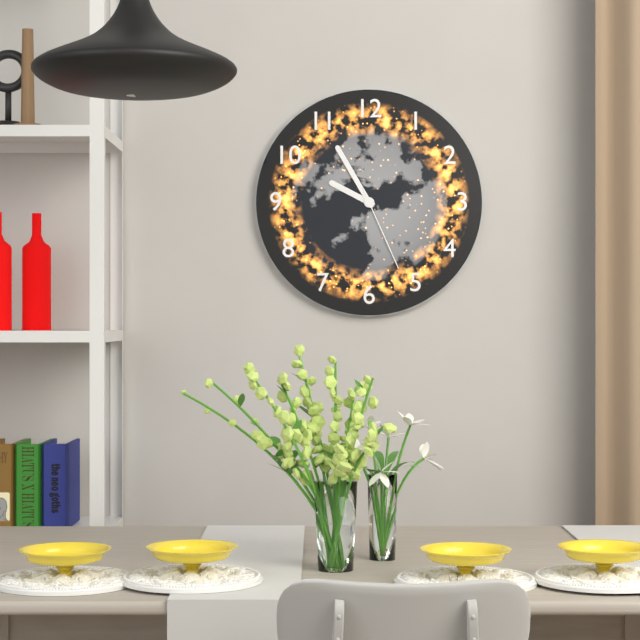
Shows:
{"hour": 9, "minute": 55, "second": 26}
